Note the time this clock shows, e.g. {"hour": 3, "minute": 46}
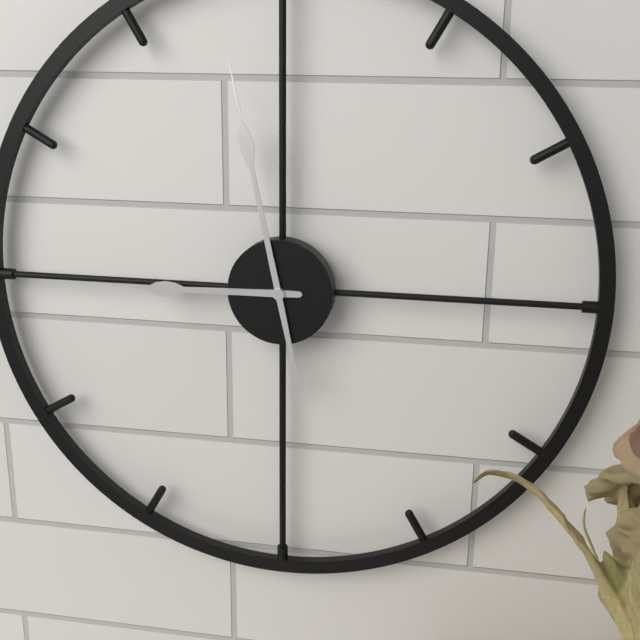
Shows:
{"hour": 8, "minute": 58}
